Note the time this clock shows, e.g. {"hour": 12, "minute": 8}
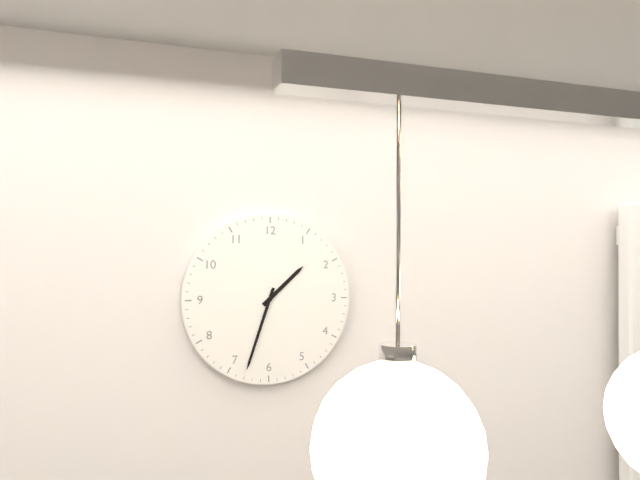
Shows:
{"hour": 1, "minute": 33}
